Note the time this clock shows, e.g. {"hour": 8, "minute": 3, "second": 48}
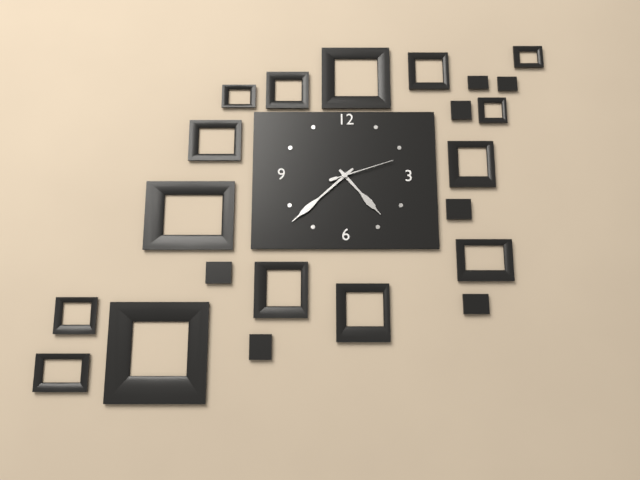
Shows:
{"hour": 4, "minute": 38, "second": 12}
